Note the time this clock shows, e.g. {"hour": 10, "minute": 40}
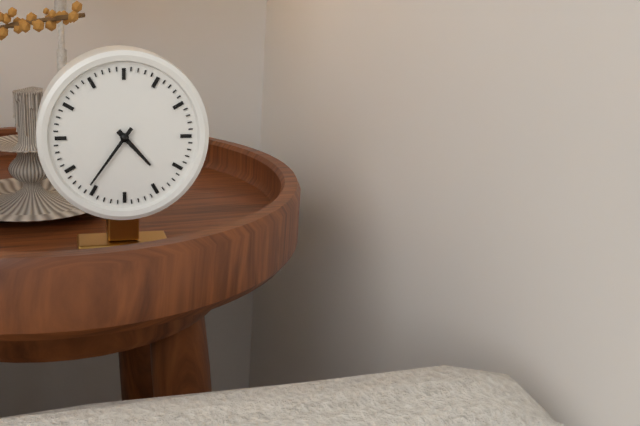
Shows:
{"hour": 4, "minute": 36}
